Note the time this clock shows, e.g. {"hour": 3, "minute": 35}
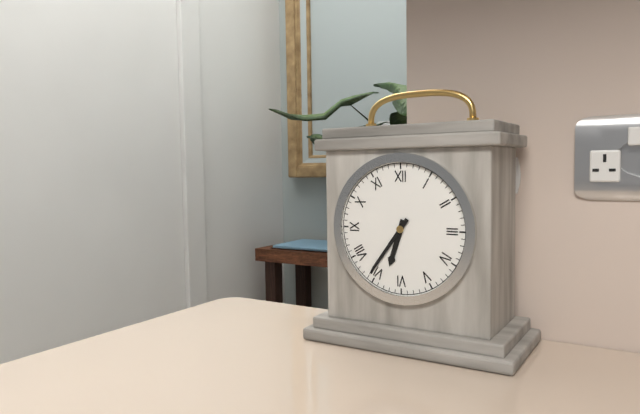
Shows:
{"hour": 6, "minute": 36}
